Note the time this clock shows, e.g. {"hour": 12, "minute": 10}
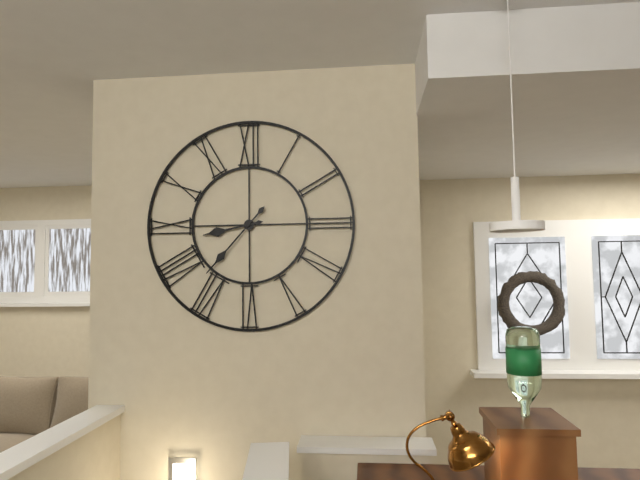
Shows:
{"hour": 8, "minute": 37}
